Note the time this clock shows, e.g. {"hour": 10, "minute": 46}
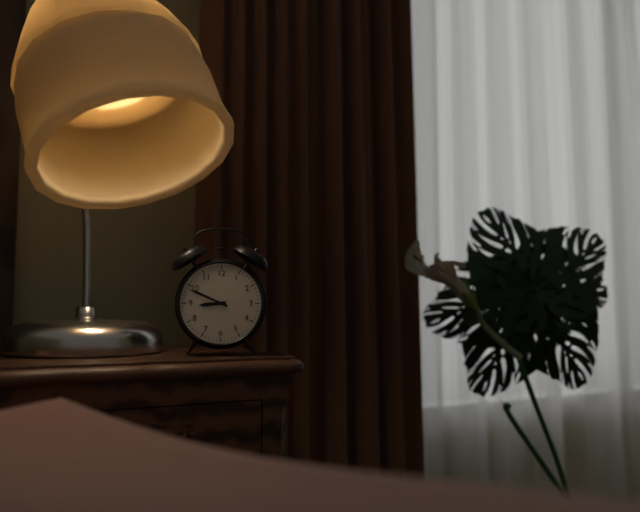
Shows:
{"hour": 8, "minute": 49}
